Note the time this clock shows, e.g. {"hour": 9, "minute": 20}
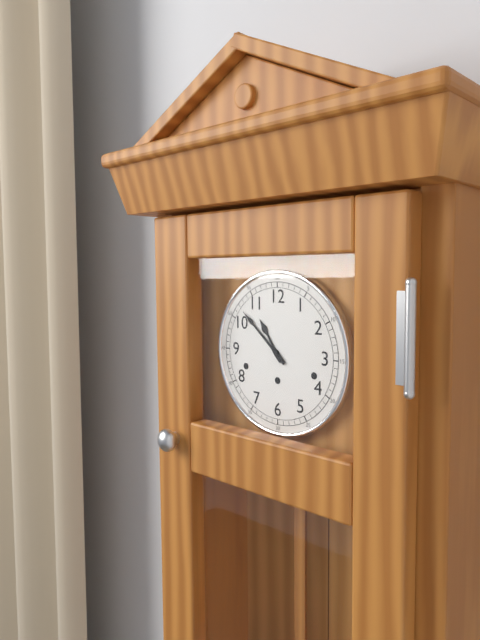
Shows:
{"hour": 10, "minute": 52}
